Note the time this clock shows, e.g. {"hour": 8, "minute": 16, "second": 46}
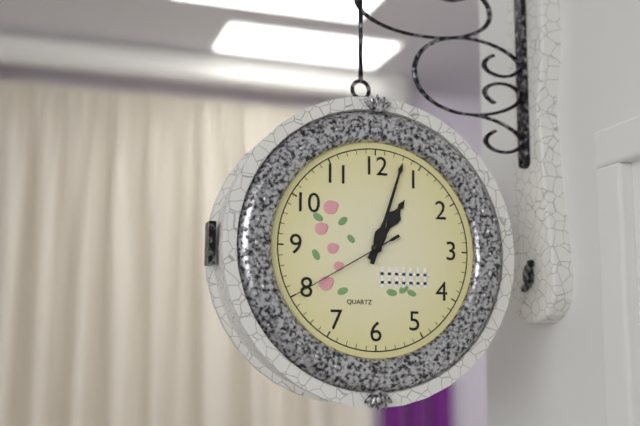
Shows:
{"hour": 1, "minute": 3, "second": 40}
